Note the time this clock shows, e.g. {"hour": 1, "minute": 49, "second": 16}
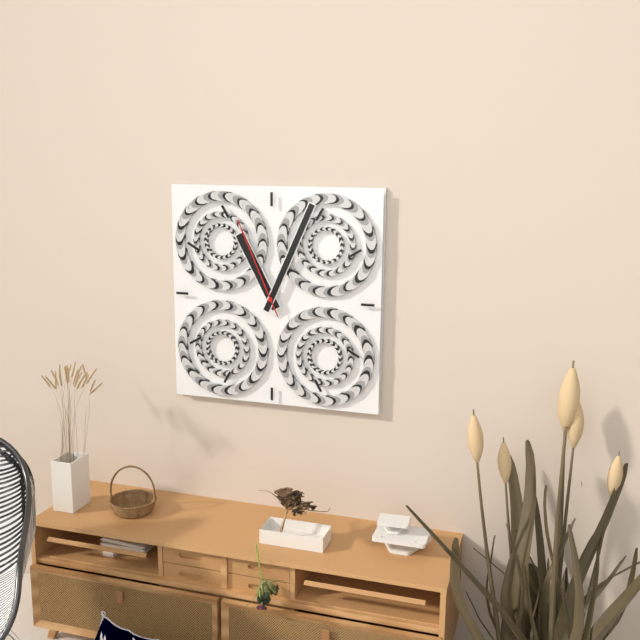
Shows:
{"hour": 11, "minute": 4, "second": 56}
